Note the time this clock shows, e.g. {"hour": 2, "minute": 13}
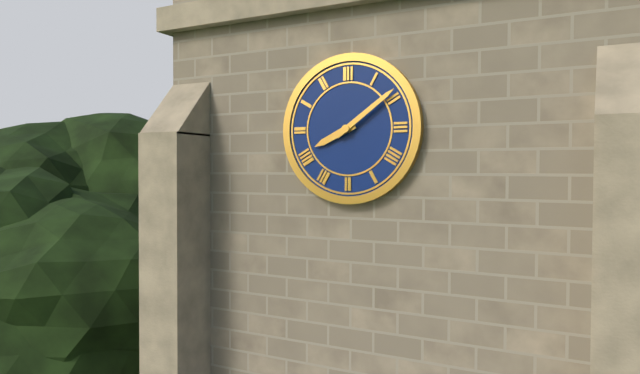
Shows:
{"hour": 8, "minute": 9}
